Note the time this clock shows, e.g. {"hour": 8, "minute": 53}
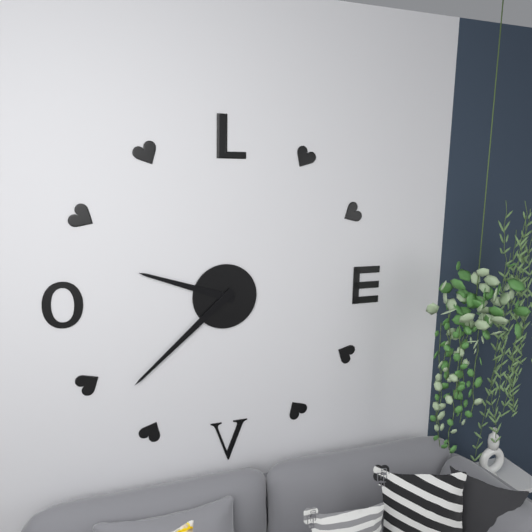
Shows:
{"hour": 9, "minute": 38}
